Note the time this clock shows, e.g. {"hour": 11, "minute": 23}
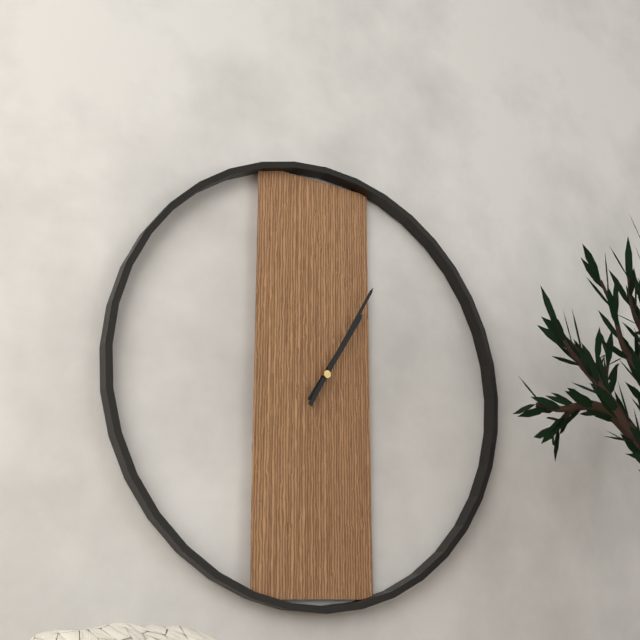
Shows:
{"hour": 1, "minute": 5}
